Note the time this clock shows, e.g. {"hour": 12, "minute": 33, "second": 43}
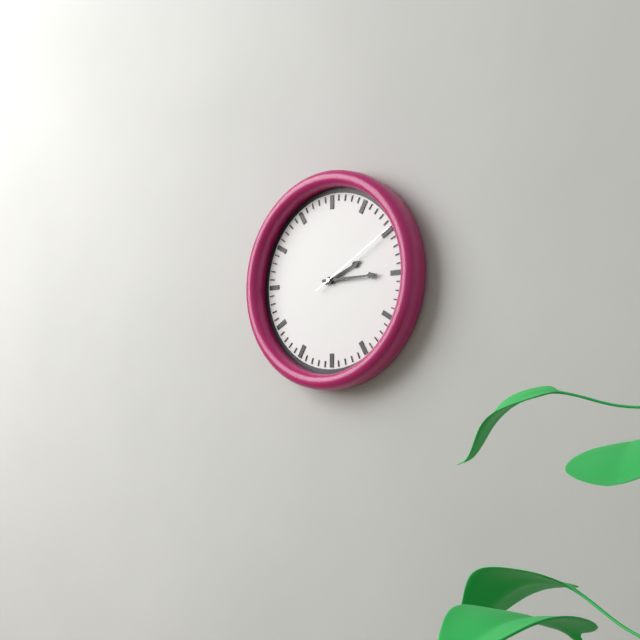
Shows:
{"hour": 2, "minute": 15, "second": 10}
